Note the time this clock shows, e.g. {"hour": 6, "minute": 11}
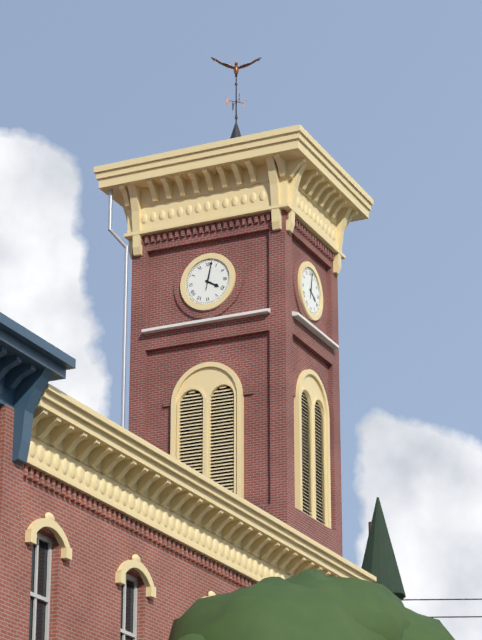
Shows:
{"hour": 4, "minute": 2}
